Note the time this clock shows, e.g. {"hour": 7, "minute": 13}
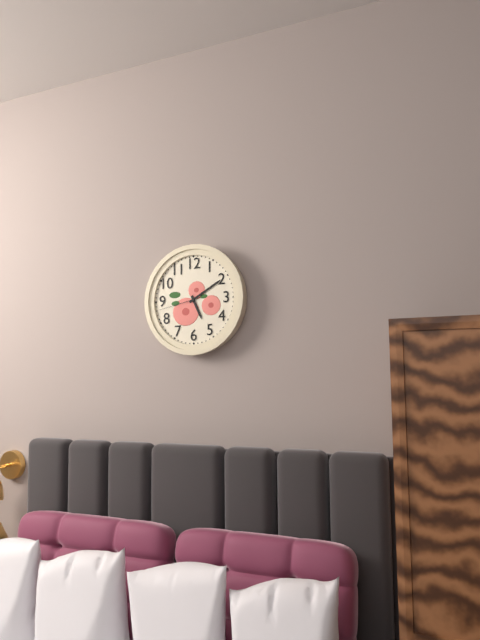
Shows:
{"hour": 5, "minute": 10}
